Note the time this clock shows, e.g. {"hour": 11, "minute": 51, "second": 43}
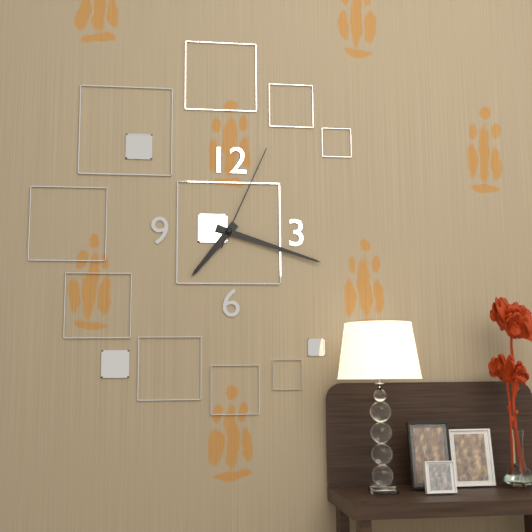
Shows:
{"hour": 7, "minute": 18, "second": 4}
